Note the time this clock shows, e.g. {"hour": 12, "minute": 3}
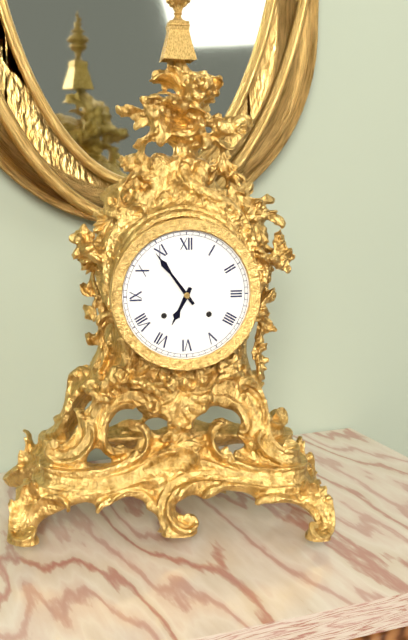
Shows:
{"hour": 6, "minute": 54}
